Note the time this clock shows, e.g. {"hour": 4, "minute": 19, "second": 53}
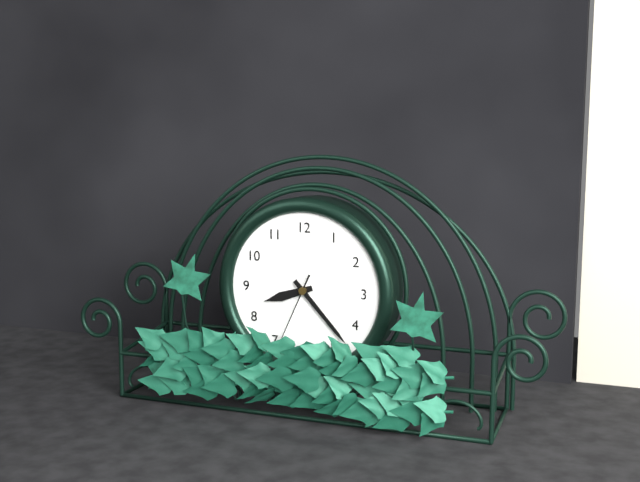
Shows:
{"hour": 8, "minute": 23, "second": 34}
